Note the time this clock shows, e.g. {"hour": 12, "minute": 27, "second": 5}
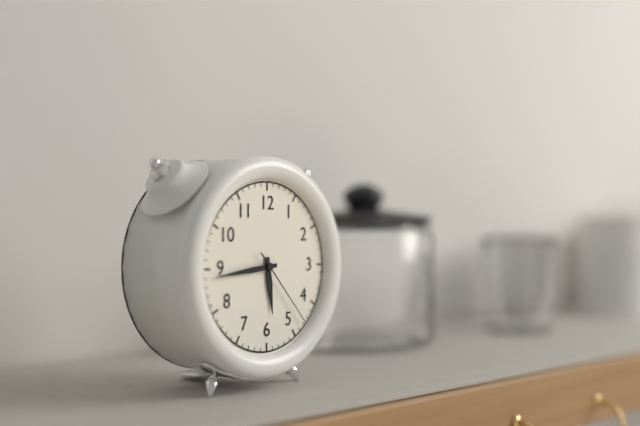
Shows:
{"hour": 5, "minute": 44, "second": 23}
